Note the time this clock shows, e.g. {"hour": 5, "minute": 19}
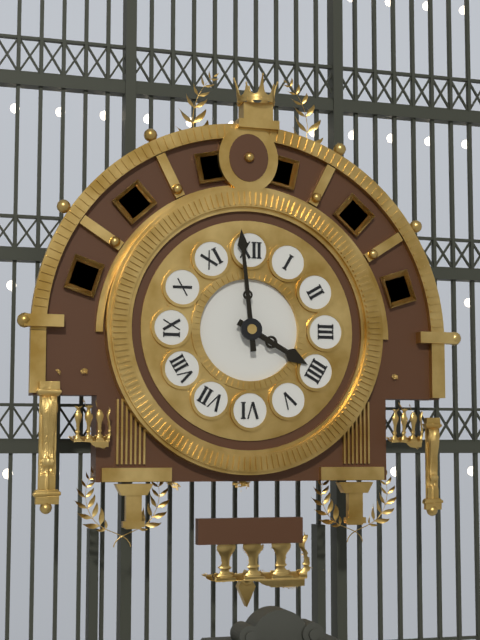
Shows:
{"hour": 3, "minute": 59}
